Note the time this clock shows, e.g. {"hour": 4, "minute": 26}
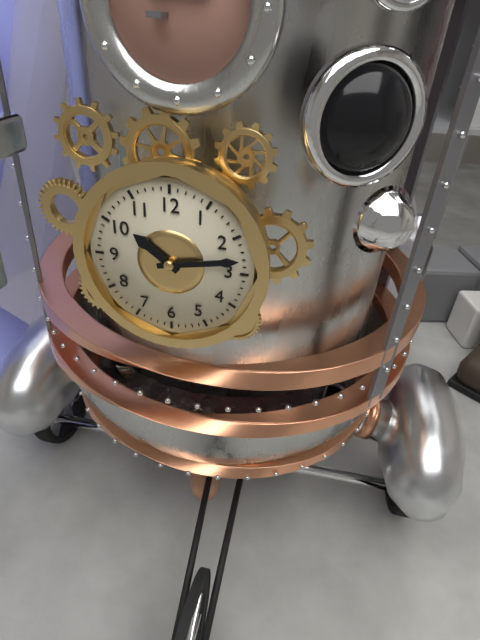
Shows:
{"hour": 10, "minute": 13}
